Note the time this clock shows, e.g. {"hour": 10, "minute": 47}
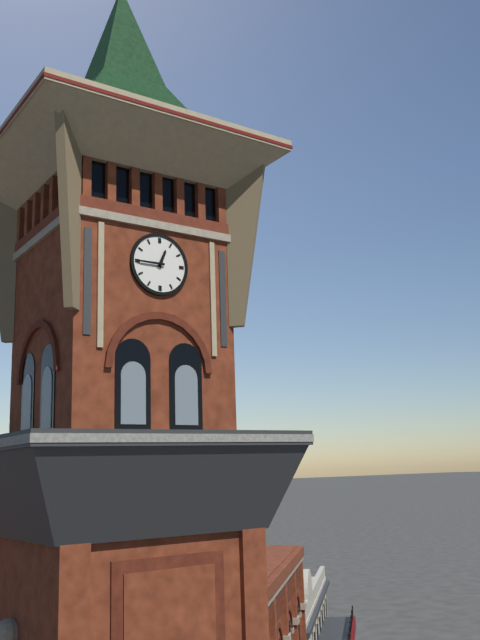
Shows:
{"hour": 12, "minute": 45}
